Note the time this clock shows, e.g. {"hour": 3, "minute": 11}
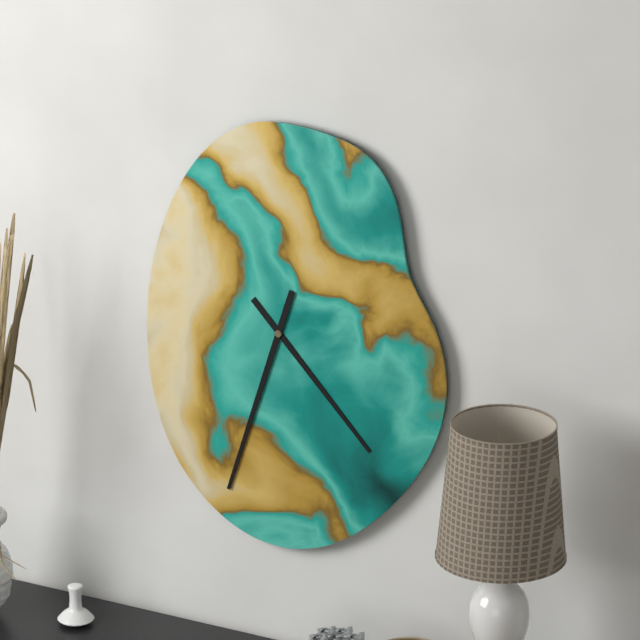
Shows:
{"hour": 4, "minute": 33}
